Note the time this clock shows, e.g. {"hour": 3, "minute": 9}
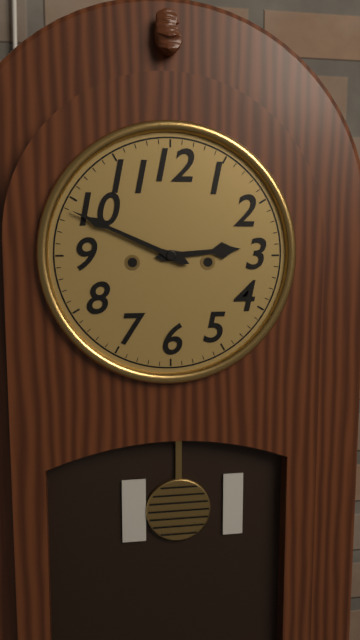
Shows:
{"hour": 2, "minute": 49}
